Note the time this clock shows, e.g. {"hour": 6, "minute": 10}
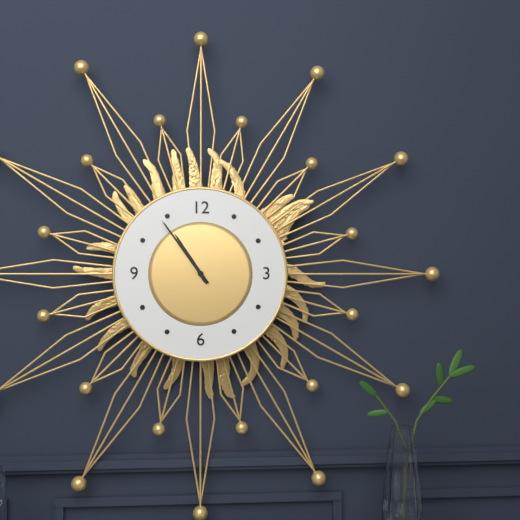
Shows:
{"hour": 10, "minute": 54}
